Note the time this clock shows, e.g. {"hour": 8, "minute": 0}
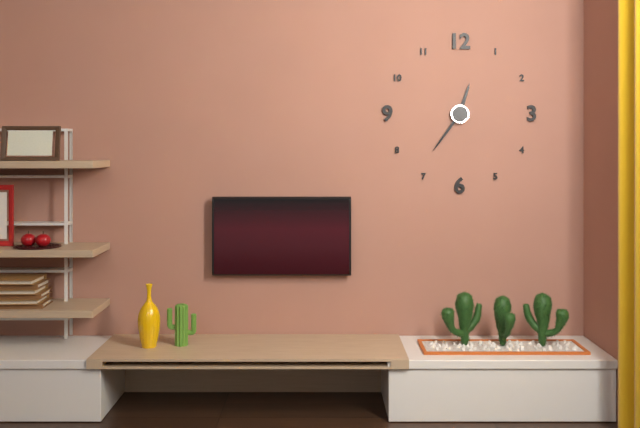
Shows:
{"hour": 12, "minute": 36}
